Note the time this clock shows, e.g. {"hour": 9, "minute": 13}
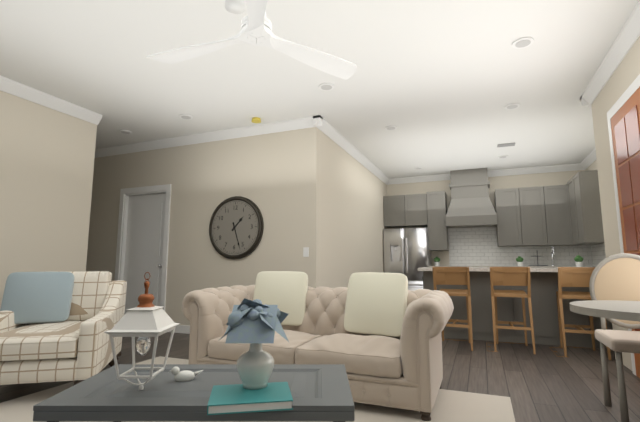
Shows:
{"hour": 1, "minute": 27}
